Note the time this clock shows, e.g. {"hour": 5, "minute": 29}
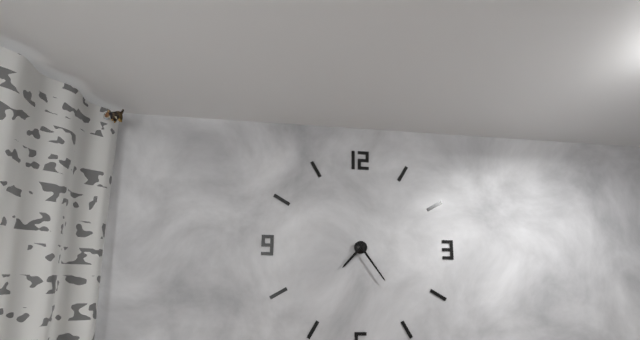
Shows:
{"hour": 7, "minute": 24}
